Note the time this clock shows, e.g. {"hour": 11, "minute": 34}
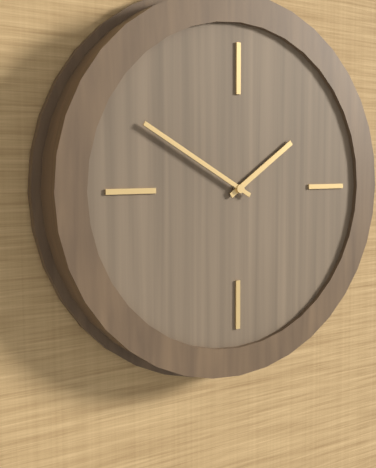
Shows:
{"hour": 1, "minute": 50}
